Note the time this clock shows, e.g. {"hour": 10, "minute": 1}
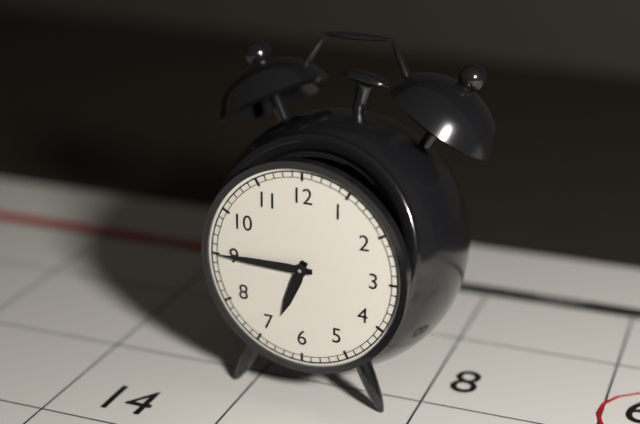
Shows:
{"hour": 6, "minute": 45}
